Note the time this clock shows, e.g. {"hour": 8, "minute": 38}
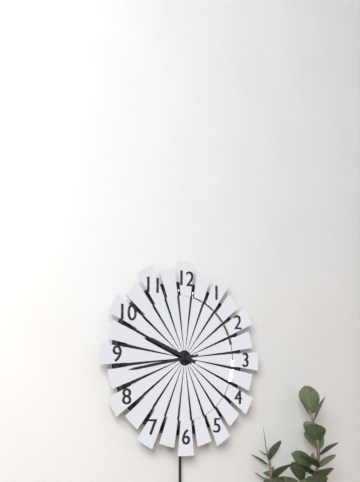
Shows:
{"hour": 9, "minute": 43}
